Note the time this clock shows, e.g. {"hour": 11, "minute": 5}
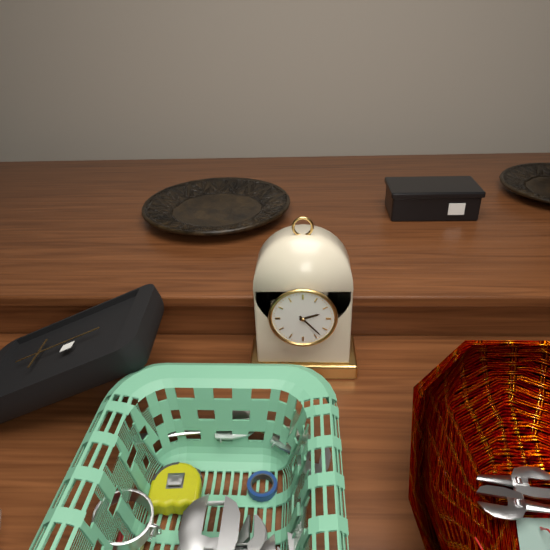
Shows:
{"hour": 2, "minute": 23}
